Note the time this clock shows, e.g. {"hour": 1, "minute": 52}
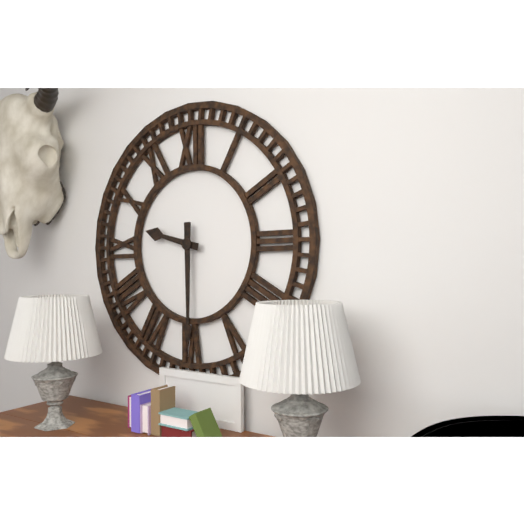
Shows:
{"hour": 9, "minute": 30}
